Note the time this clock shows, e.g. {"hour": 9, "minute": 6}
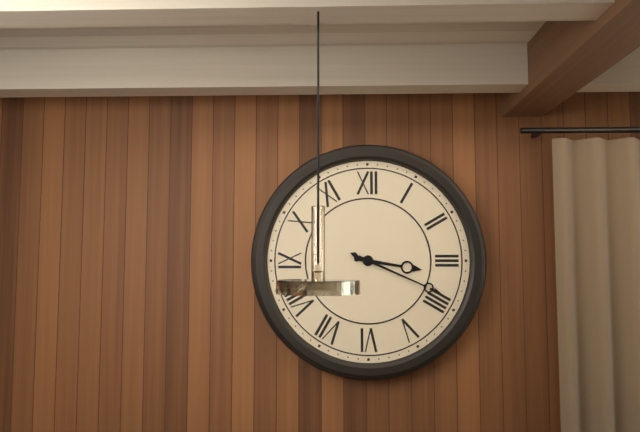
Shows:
{"hour": 3, "minute": 19}
